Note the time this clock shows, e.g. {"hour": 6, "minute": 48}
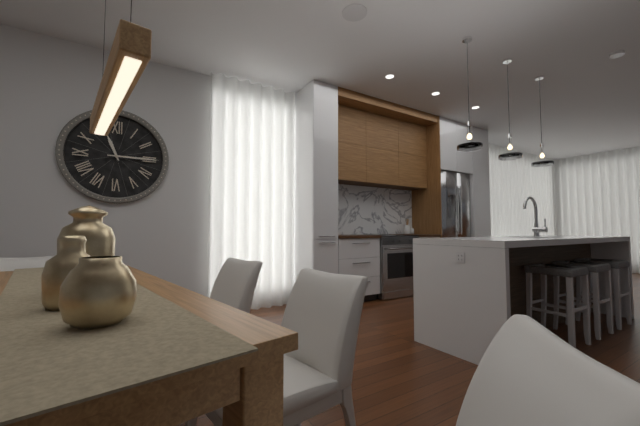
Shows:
{"hour": 11, "minute": 15}
